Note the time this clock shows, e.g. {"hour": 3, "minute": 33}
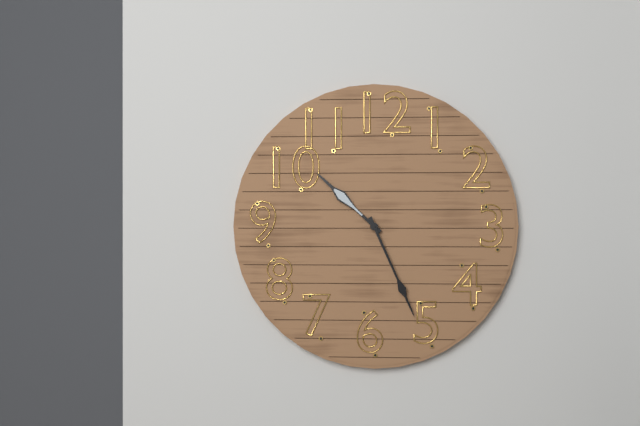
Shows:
{"hour": 10, "minute": 26}
